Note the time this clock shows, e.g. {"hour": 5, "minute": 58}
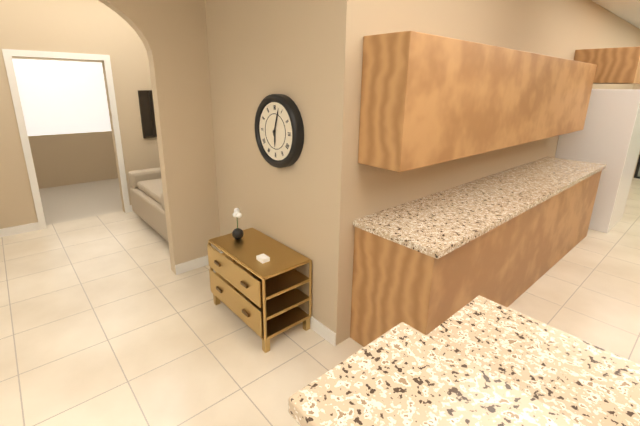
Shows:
{"hour": 6, "minute": 3}
